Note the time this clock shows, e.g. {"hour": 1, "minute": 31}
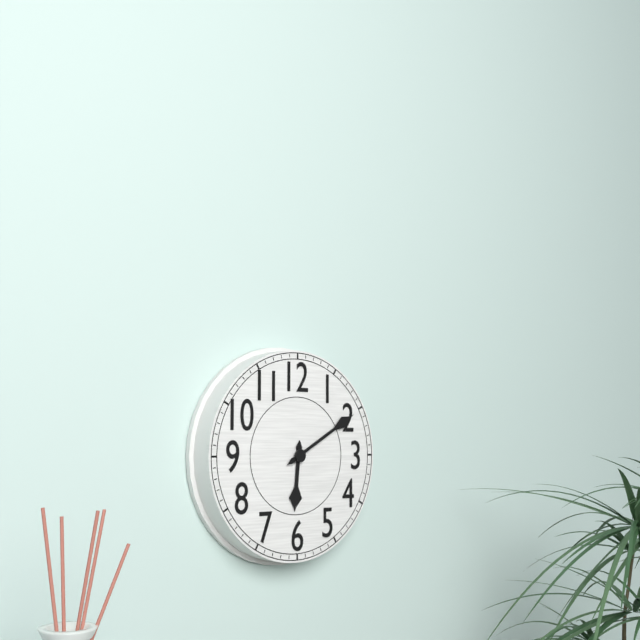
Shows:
{"hour": 6, "minute": 10}
